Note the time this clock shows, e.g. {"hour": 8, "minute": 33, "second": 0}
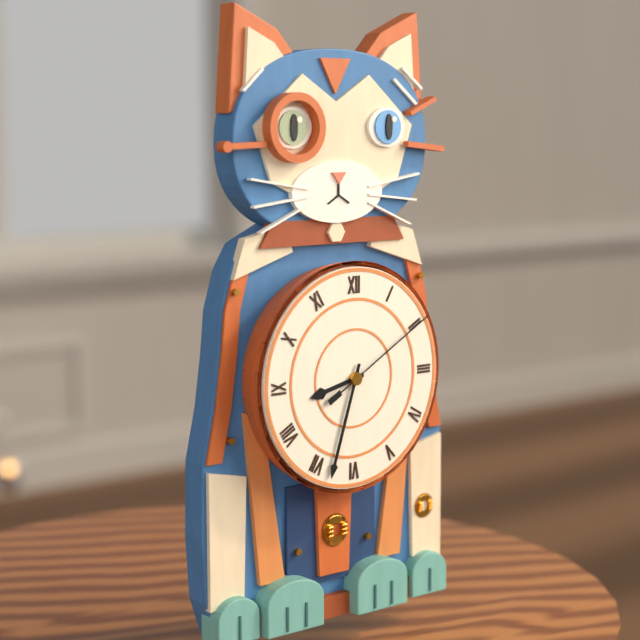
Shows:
{"hour": 8, "minute": 33, "second": 10}
